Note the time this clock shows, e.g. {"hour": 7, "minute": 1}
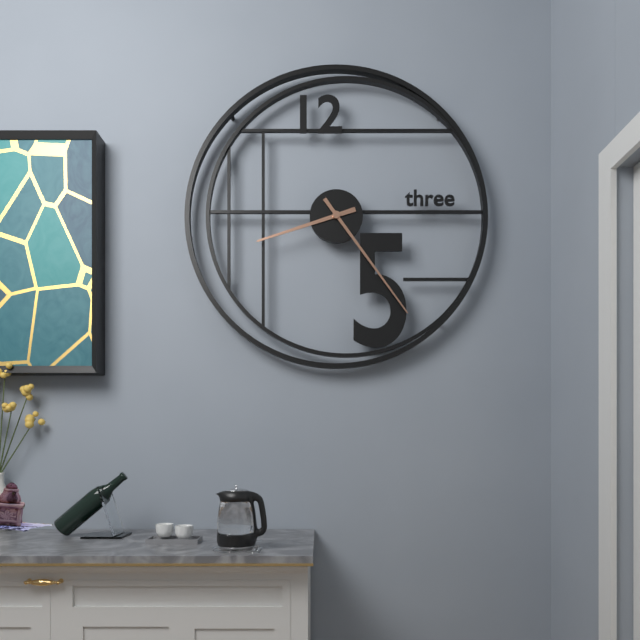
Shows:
{"hour": 8, "minute": 24}
